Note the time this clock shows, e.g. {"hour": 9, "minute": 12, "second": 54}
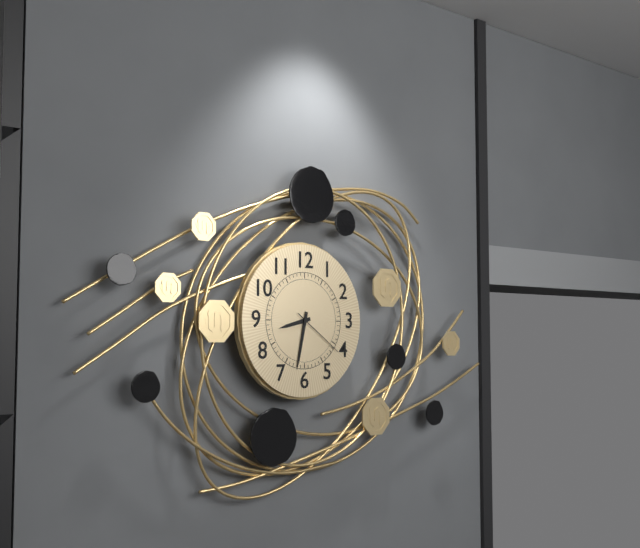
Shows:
{"hour": 8, "minute": 32, "second": 21}
